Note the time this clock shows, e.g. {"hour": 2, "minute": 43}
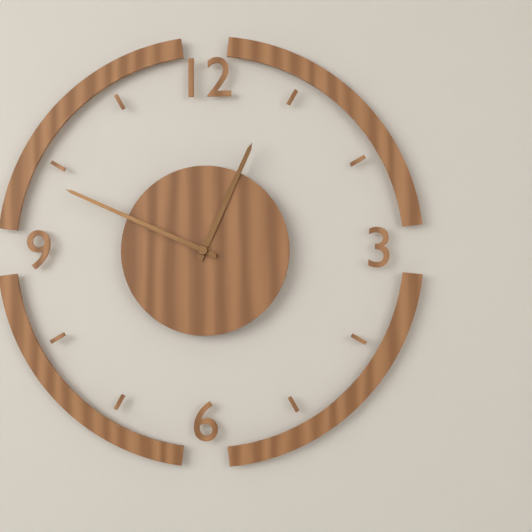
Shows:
{"hour": 12, "minute": 49}
